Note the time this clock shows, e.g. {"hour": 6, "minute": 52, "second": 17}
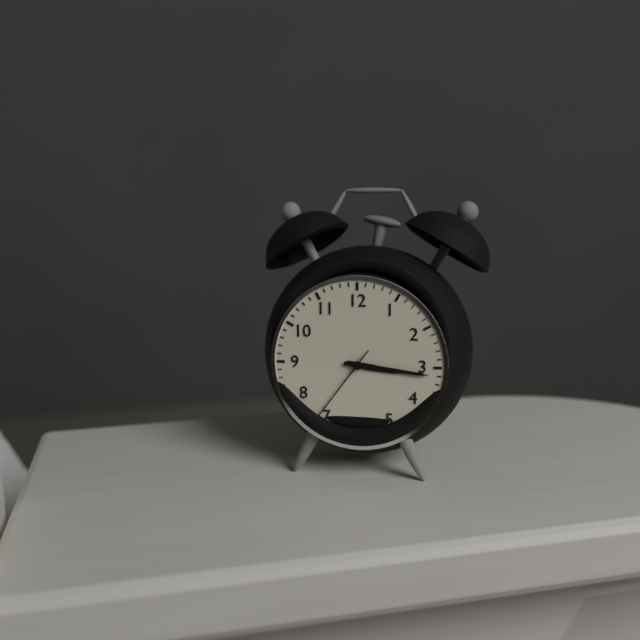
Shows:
{"hour": 3, "minute": 16, "second": 36}
